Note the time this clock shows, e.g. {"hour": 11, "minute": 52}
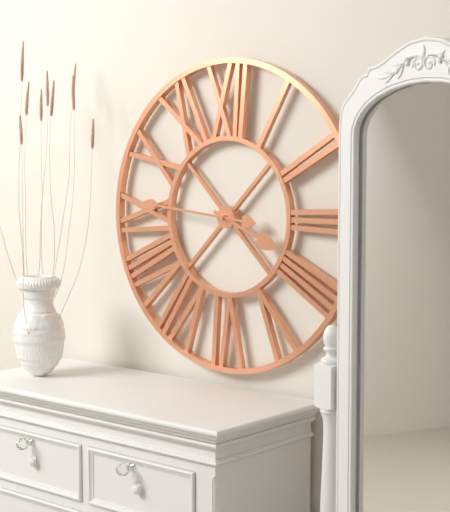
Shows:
{"hour": 3, "minute": 46}
